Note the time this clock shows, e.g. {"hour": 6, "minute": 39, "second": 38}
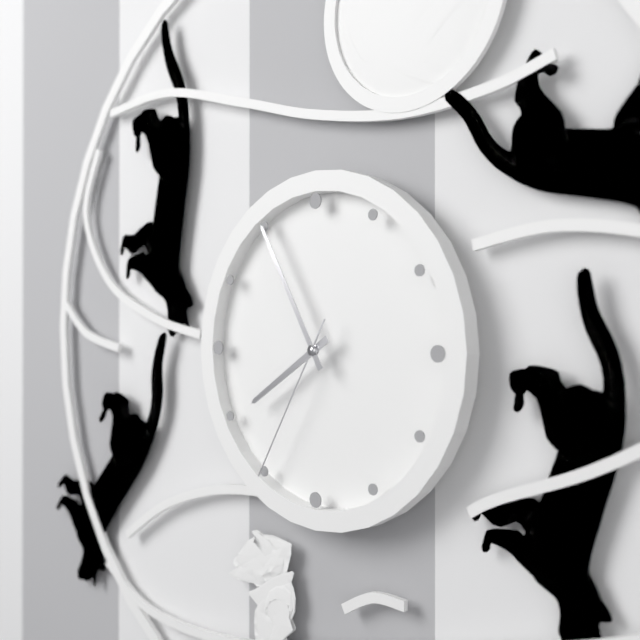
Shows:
{"hour": 7, "minute": 55, "second": 35}
